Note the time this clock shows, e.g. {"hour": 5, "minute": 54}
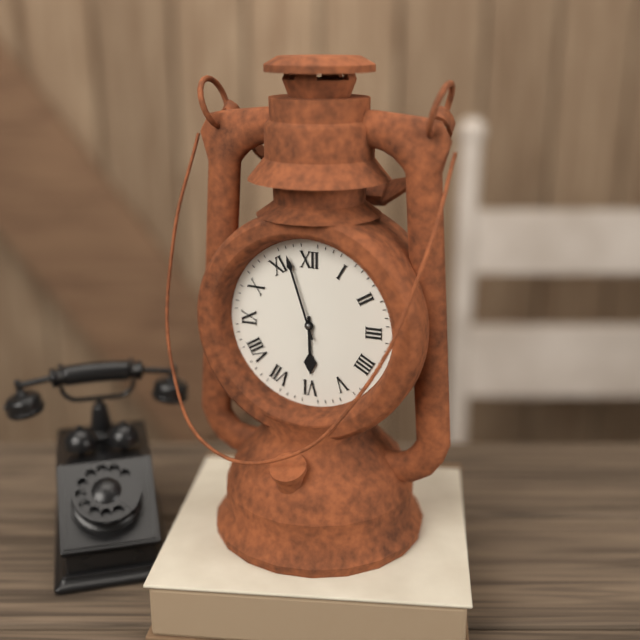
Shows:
{"hour": 5, "minute": 57}
